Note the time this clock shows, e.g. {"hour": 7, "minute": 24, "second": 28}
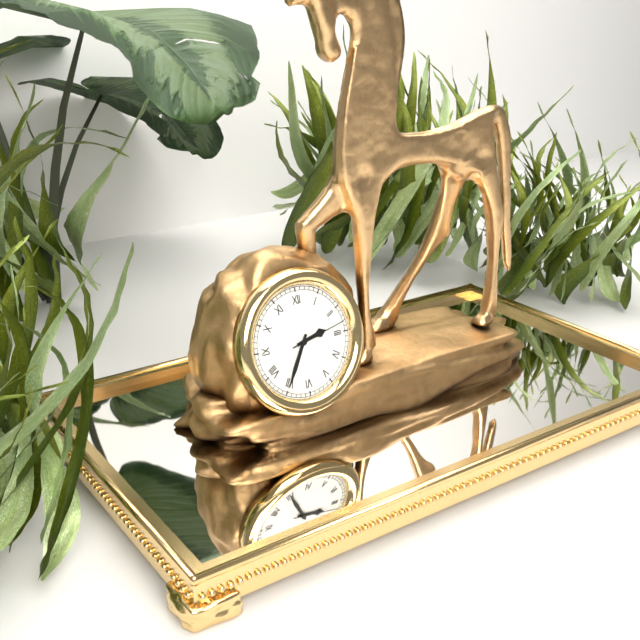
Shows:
{"hour": 2, "minute": 35, "second": 13}
